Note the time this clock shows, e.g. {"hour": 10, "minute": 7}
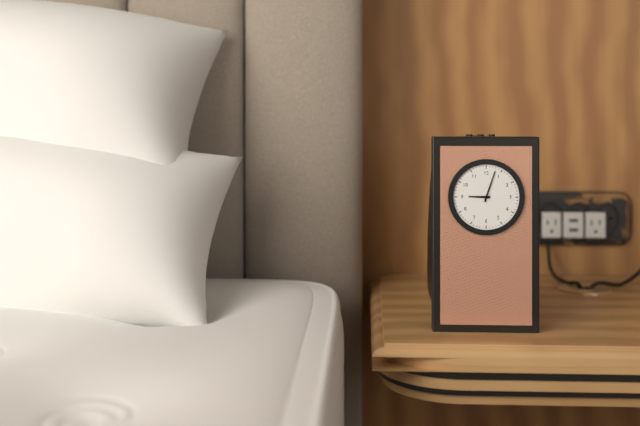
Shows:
{"hour": 9, "minute": 3}
